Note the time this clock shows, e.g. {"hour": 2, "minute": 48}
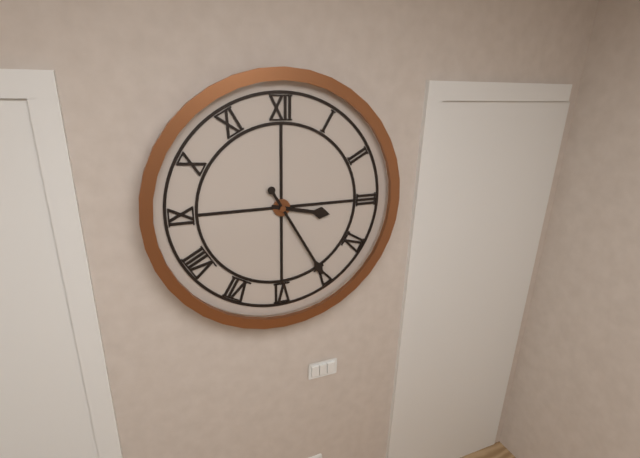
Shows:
{"hour": 3, "minute": 25}
